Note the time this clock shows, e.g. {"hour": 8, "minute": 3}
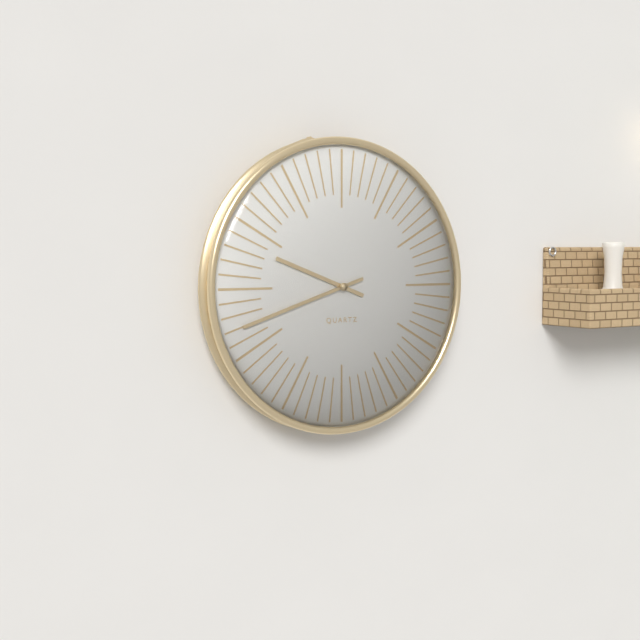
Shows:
{"hour": 9, "minute": 42}
